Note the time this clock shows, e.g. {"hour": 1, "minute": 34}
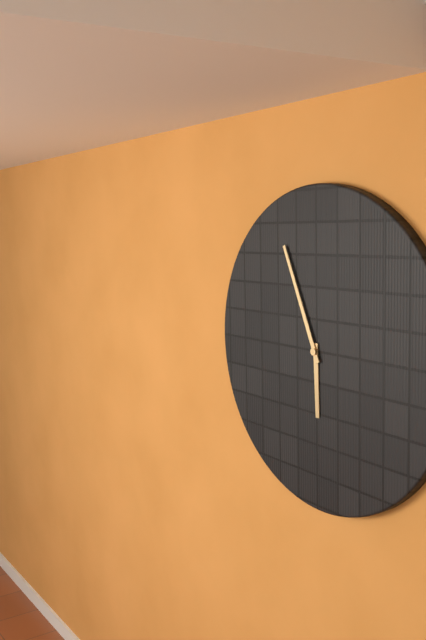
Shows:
{"hour": 5, "minute": 56}
